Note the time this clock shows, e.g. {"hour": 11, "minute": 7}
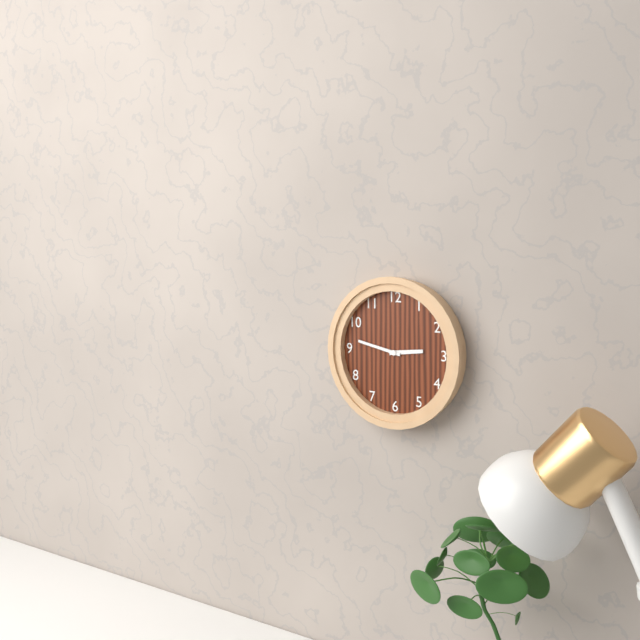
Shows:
{"hour": 2, "minute": 47}
